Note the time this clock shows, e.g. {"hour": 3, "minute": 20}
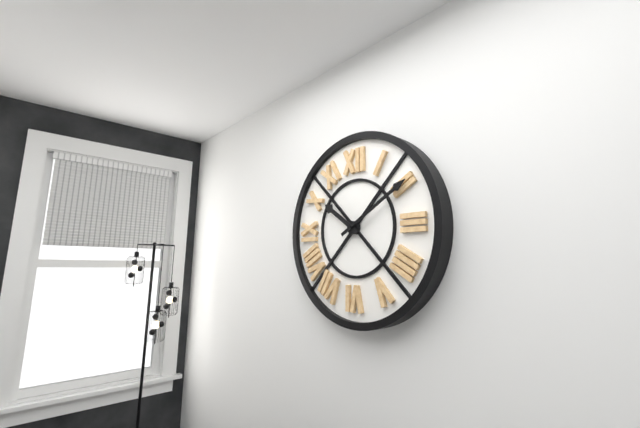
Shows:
{"hour": 10, "minute": 10}
